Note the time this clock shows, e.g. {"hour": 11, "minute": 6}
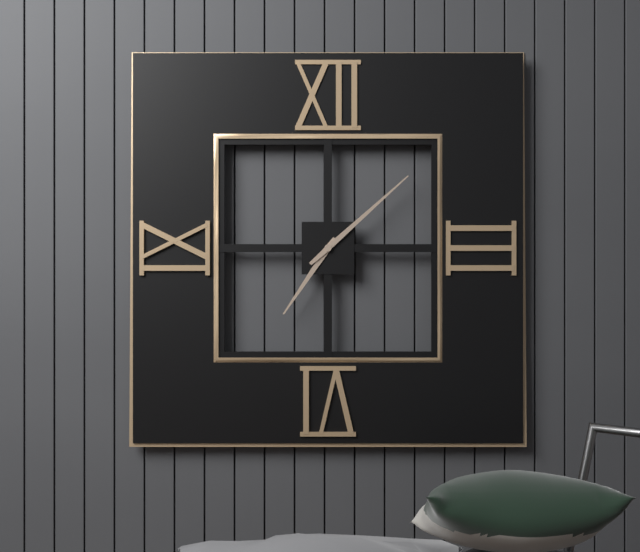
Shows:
{"hour": 7, "minute": 8}
